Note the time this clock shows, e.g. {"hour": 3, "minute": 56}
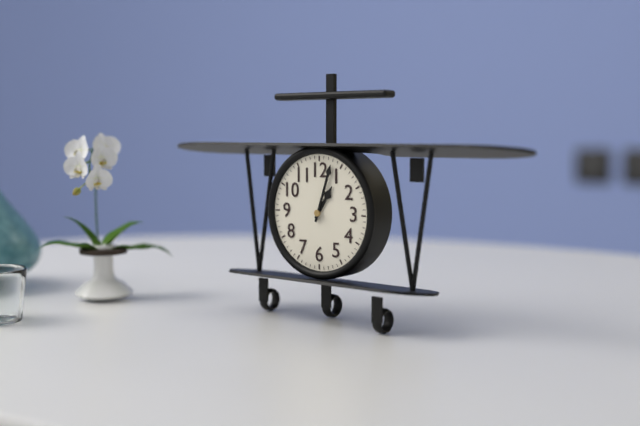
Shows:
{"hour": 1, "minute": 3}
